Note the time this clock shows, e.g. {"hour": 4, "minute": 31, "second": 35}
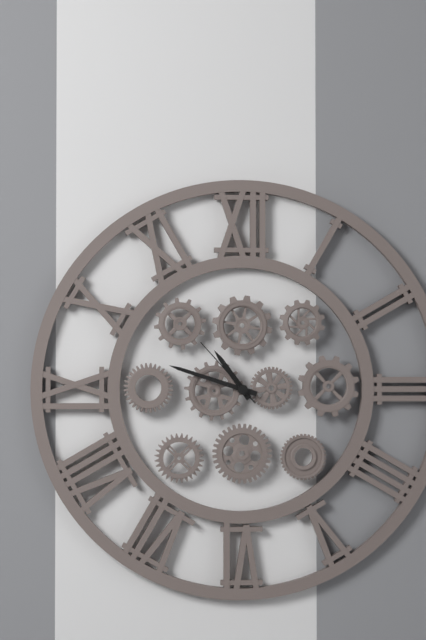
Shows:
{"hour": 10, "minute": 48, "second": 53}
